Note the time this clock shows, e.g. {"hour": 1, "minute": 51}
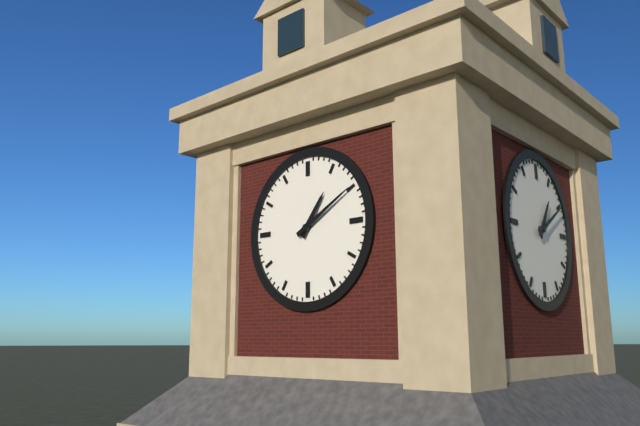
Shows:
{"hour": 1, "minute": 10}
